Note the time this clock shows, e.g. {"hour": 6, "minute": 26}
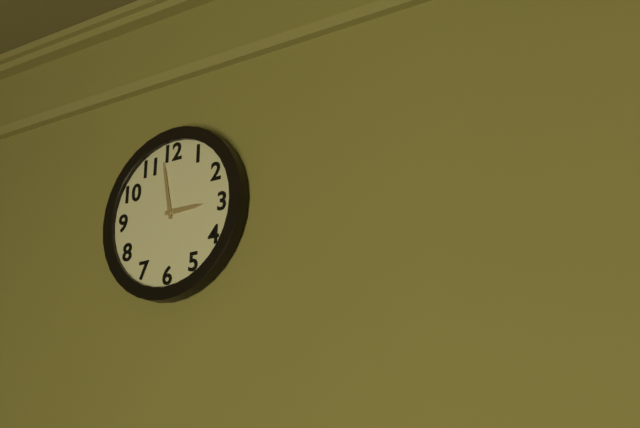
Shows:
{"hour": 2, "minute": 58}
